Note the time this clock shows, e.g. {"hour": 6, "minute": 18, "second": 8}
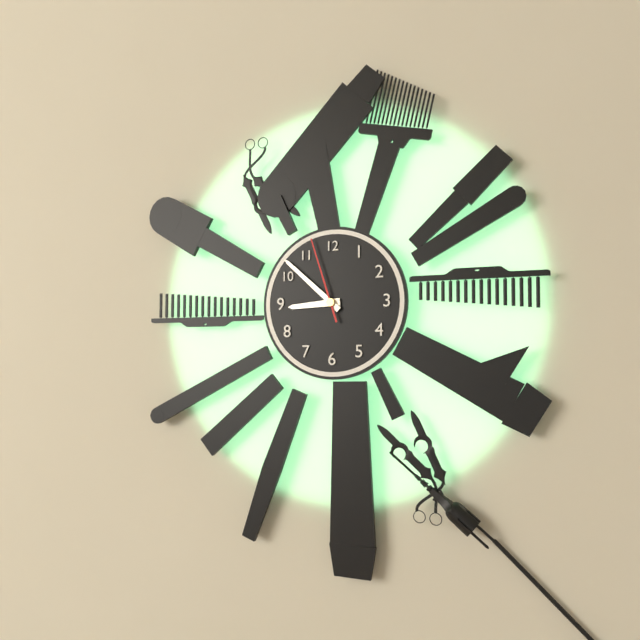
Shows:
{"hour": 8, "minute": 52, "second": 57}
